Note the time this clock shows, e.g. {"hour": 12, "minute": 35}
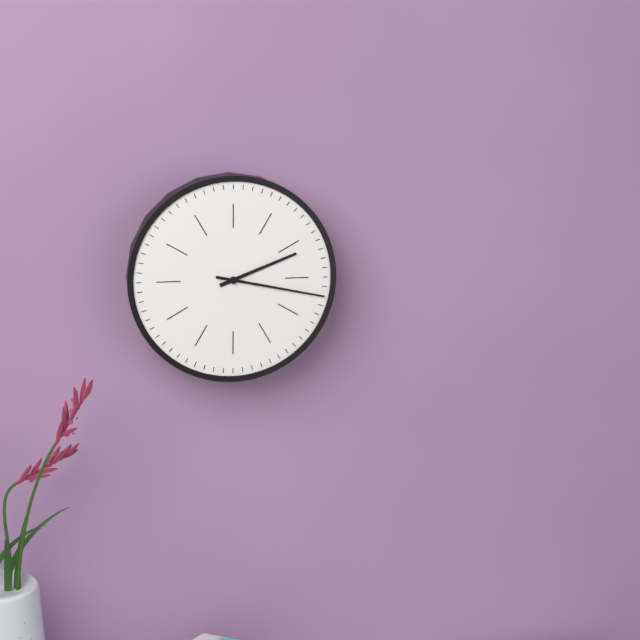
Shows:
{"hour": 2, "minute": 17}
